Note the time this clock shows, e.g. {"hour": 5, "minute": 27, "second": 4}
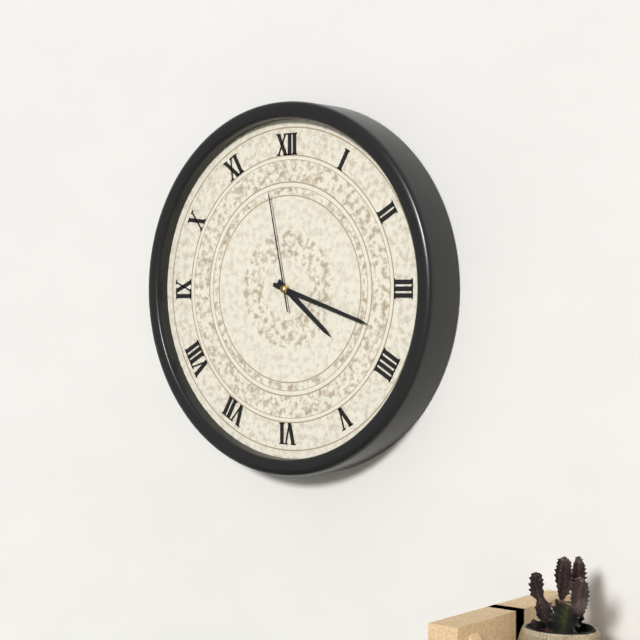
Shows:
{"hour": 4, "minute": 18, "second": 58}
